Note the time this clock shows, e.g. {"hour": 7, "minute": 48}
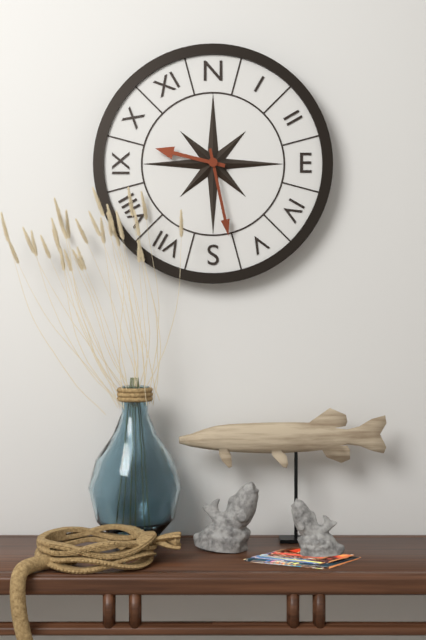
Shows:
{"hour": 9, "minute": 28}
